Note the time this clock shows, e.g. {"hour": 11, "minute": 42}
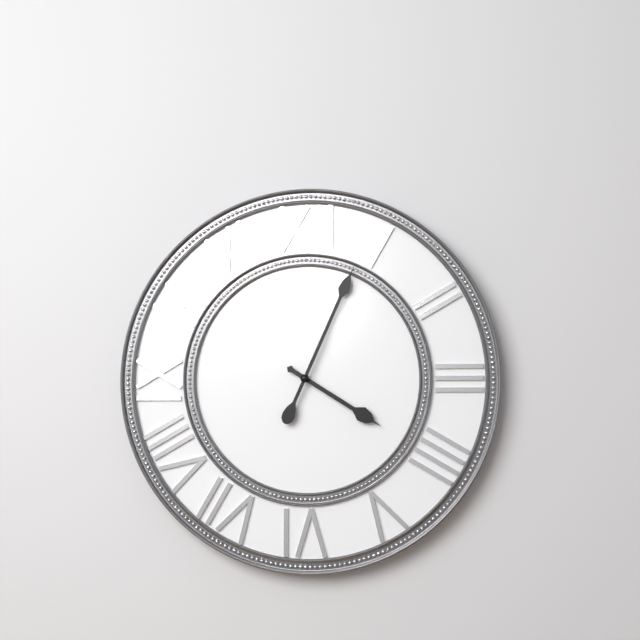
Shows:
{"hour": 4, "minute": 4}
